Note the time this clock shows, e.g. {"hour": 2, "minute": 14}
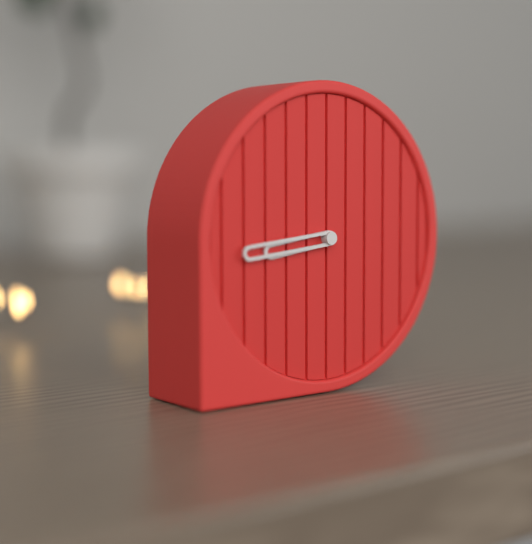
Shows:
{"hour": 8, "minute": 44}
